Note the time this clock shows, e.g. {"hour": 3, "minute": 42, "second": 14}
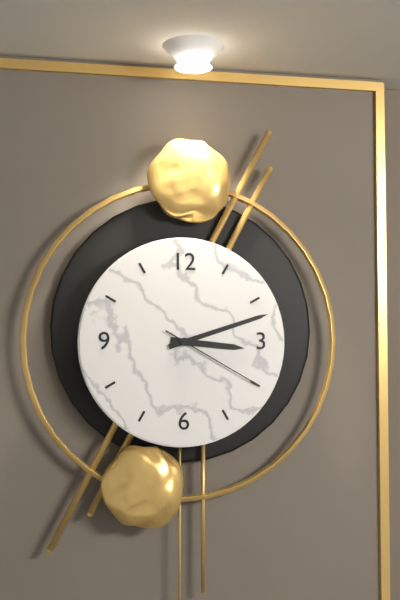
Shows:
{"hour": 3, "minute": 12, "second": 20}
